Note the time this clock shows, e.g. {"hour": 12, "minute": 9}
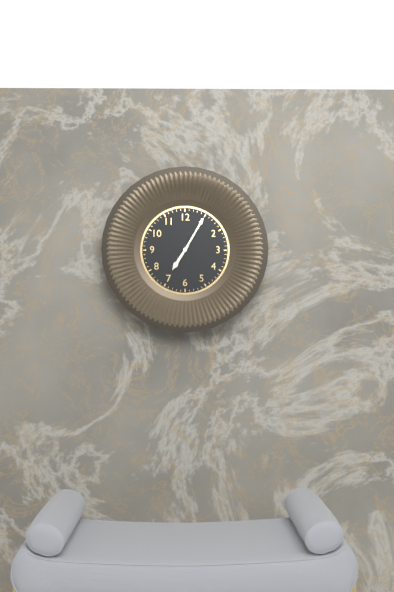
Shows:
{"hour": 7, "minute": 5}
